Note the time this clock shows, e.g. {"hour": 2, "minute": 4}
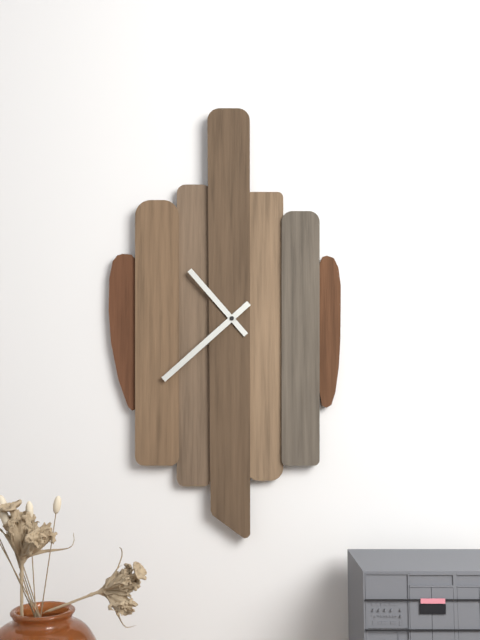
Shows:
{"hour": 10, "minute": 38}
